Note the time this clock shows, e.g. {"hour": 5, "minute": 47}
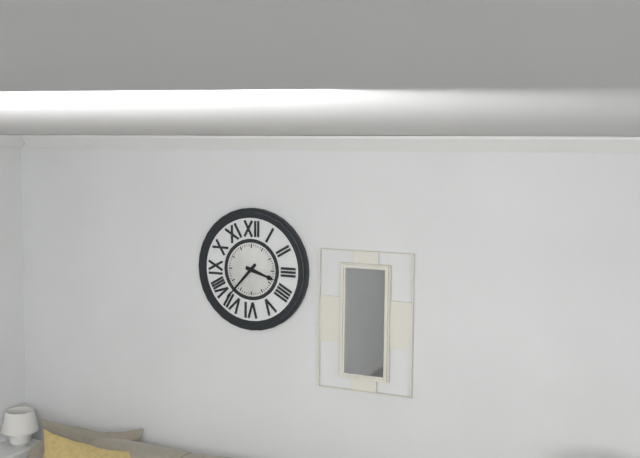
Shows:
{"hour": 3, "minute": 37}
